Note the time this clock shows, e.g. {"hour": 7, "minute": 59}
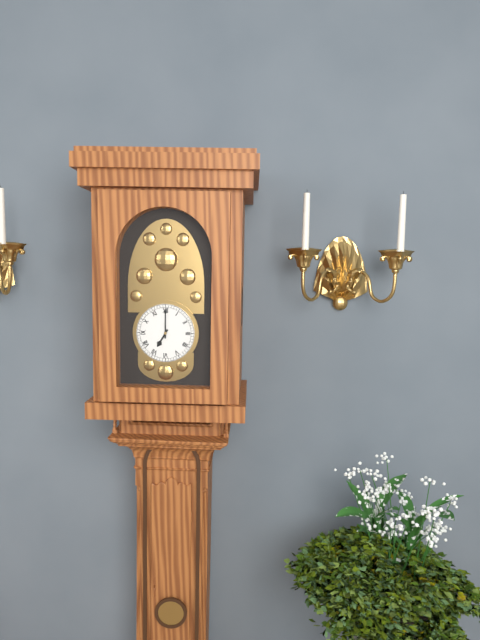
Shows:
{"hour": 7, "minute": 0}
